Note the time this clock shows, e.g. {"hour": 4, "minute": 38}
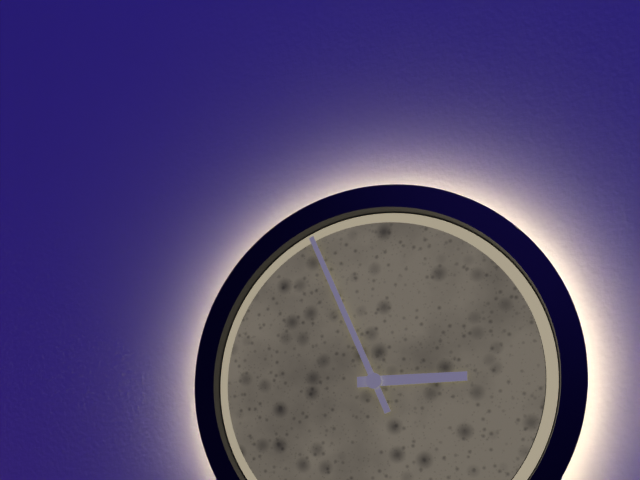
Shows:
{"hour": 2, "minute": 56}
